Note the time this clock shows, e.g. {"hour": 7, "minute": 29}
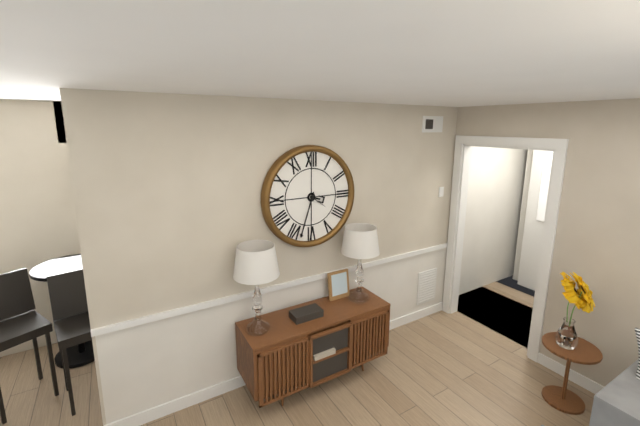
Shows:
{"hour": 3, "minute": 33}
